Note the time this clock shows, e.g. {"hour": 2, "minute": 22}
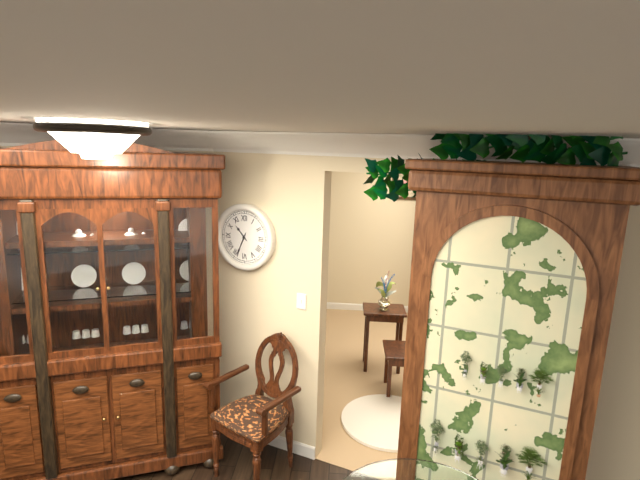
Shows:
{"hour": 10, "minute": 34}
